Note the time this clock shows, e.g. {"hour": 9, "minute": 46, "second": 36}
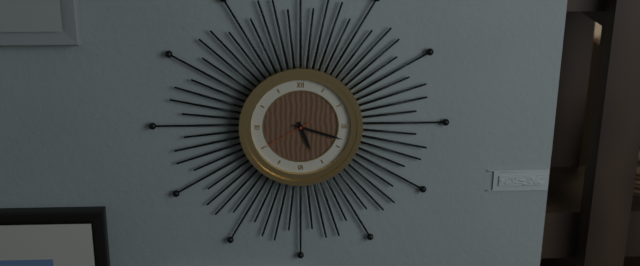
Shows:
{"hour": 5, "minute": 18, "second": 40}
